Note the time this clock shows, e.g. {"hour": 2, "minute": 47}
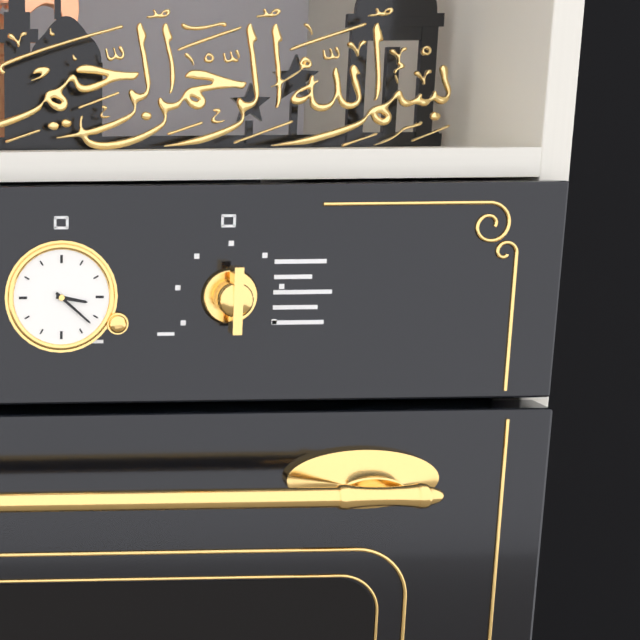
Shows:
{"hour": 3, "minute": 22}
